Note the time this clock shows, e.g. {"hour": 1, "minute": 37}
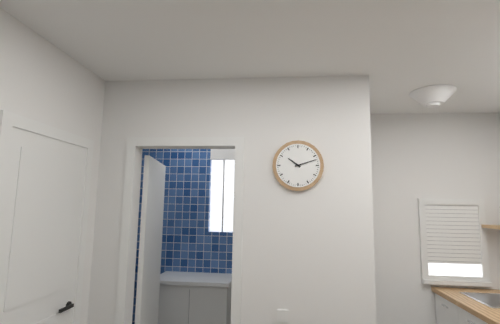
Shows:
{"hour": 10, "minute": 12}
